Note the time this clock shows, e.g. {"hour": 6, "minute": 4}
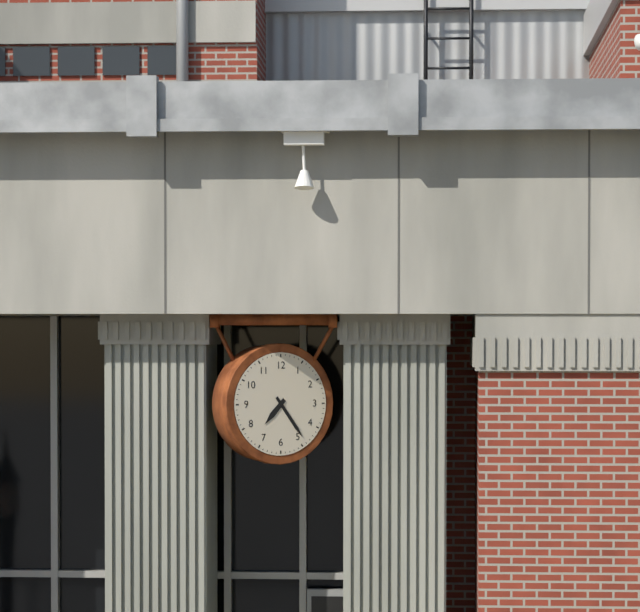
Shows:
{"hour": 7, "minute": 24}
